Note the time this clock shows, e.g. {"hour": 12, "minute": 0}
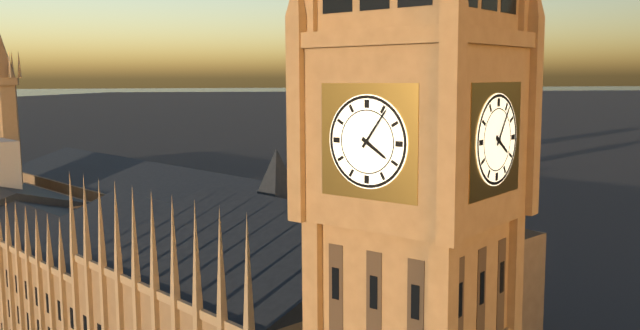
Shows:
{"hour": 4, "minute": 6}
